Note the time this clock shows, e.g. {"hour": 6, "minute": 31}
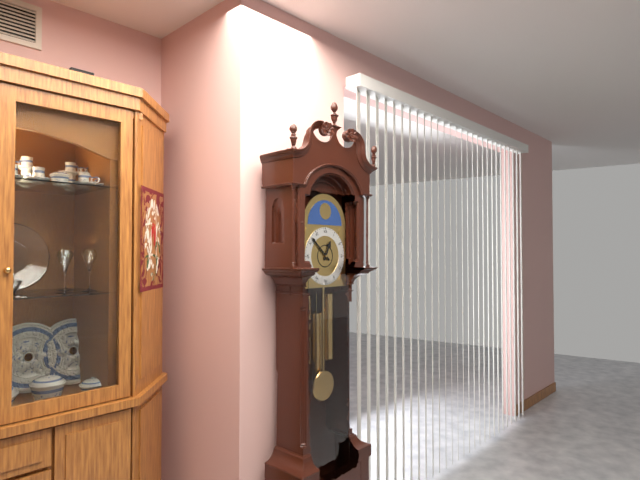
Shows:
{"hour": 12, "minute": 52}
